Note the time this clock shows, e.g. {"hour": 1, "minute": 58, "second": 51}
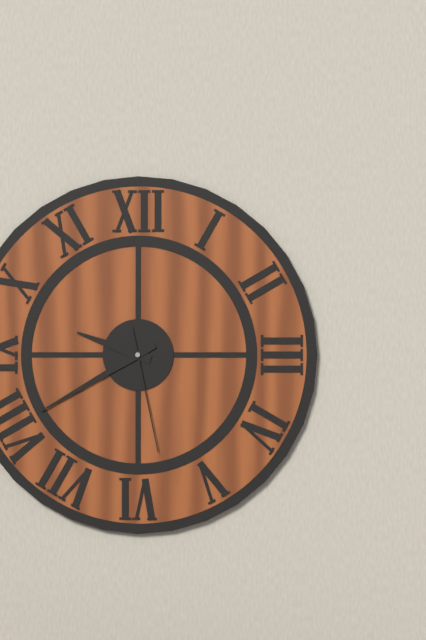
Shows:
{"hour": 9, "minute": 40, "second": 28}
